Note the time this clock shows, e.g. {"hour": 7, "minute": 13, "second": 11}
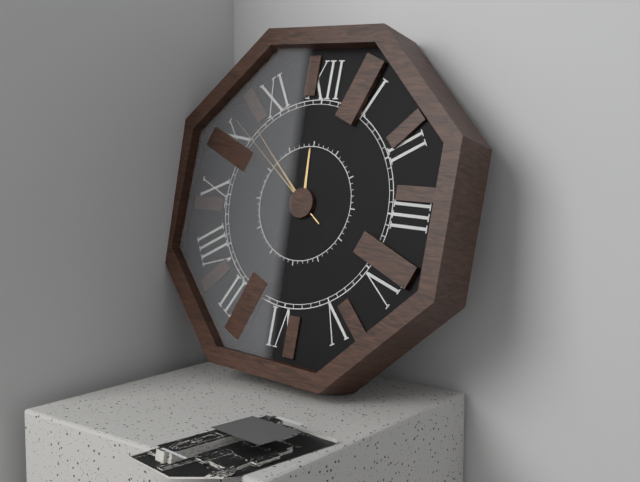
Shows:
{"hour": 11, "minute": 52, "second": 51}
